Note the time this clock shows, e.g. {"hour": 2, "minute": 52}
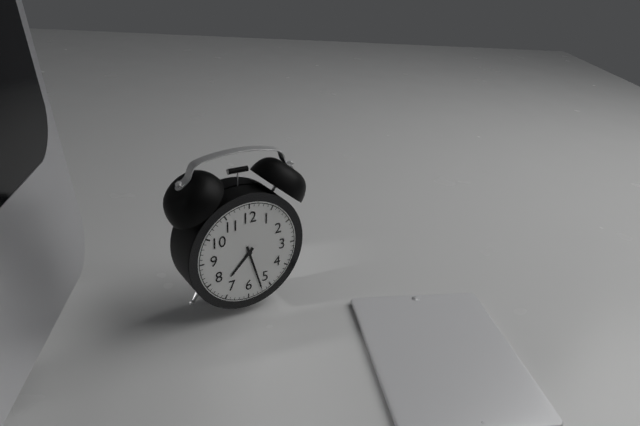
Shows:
{"hour": 7, "minute": 27}
